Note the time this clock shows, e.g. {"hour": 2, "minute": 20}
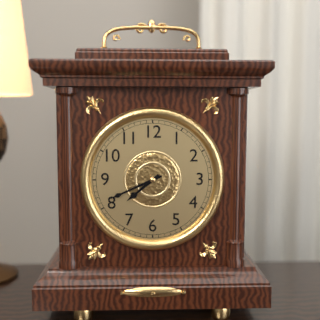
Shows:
{"hour": 7, "minute": 41}
